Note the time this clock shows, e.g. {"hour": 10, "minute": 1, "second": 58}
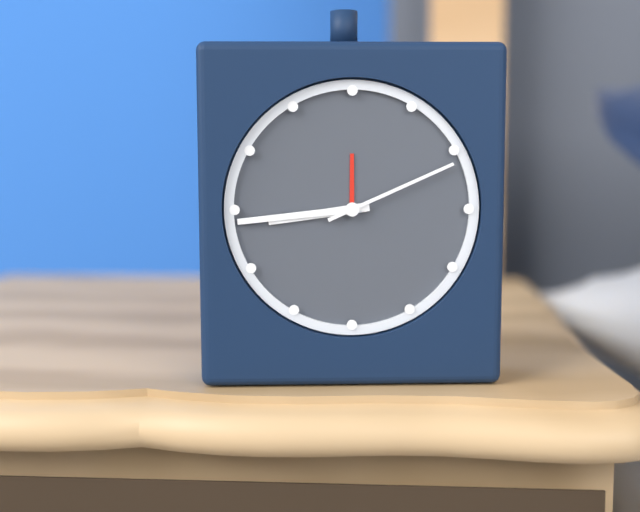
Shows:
{"hour": 8, "minute": 44, "second": 11}
